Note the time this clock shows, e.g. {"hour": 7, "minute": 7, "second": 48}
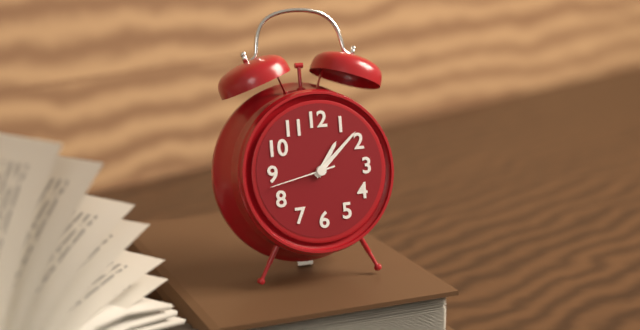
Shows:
{"hour": 1, "minute": 8, "second": 43}
